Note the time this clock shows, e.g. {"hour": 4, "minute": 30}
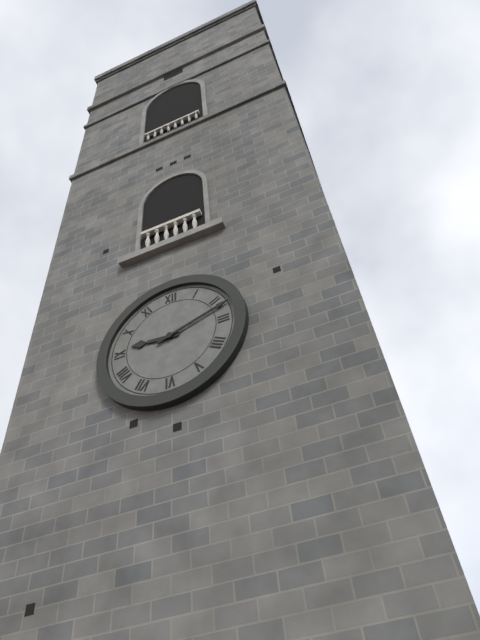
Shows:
{"hour": 9, "minute": 12}
